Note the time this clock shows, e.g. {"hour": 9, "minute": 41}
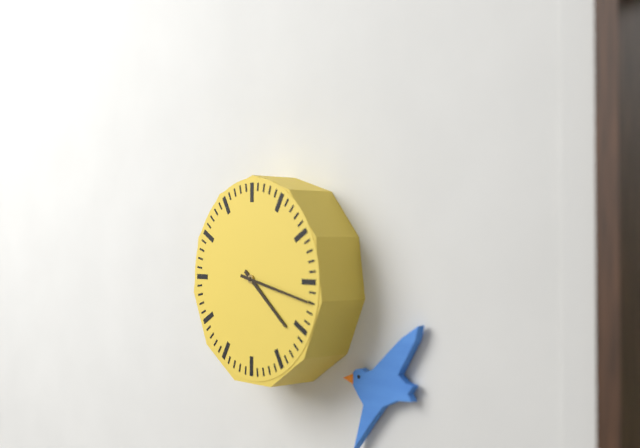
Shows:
{"hour": 4, "minute": 17}
